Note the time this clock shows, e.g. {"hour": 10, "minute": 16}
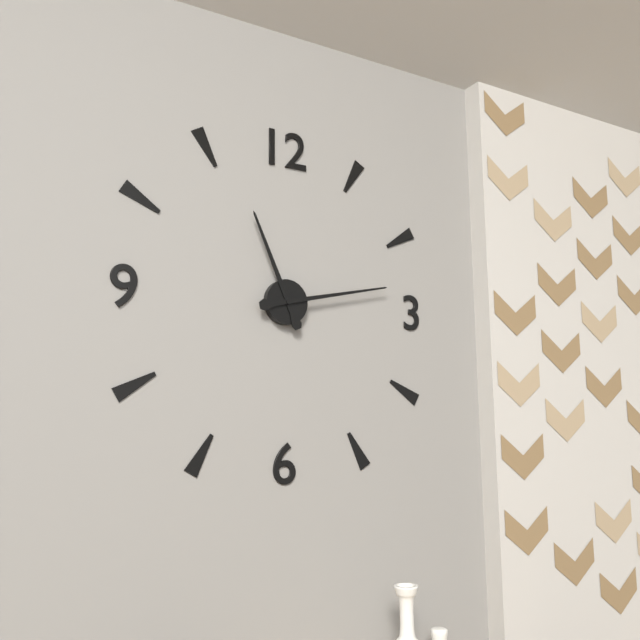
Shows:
{"hour": 11, "minute": 13}
